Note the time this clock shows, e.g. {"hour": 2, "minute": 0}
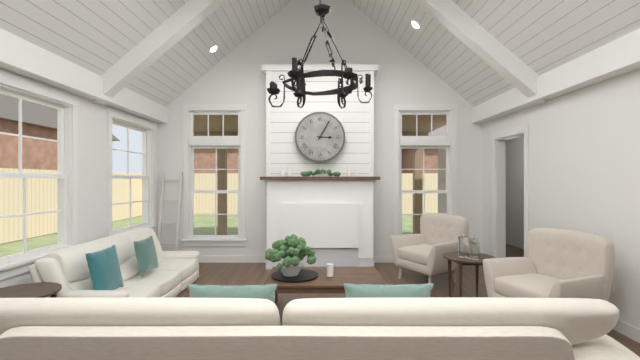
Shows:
{"hour": 3, "minute": 5}
